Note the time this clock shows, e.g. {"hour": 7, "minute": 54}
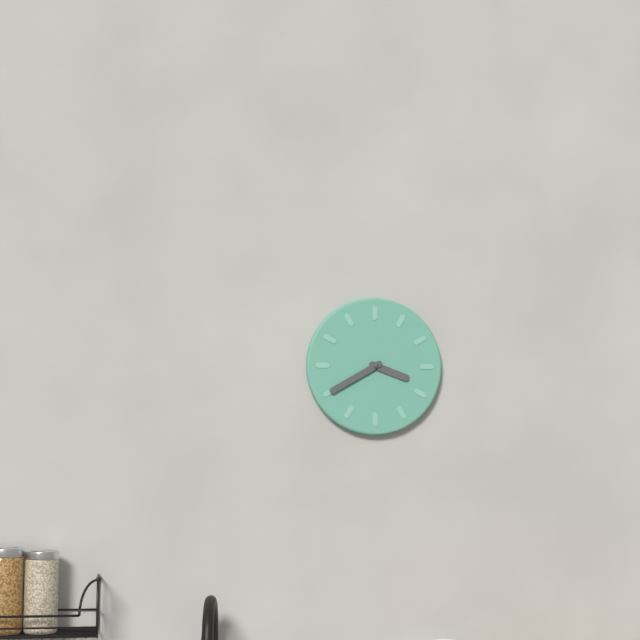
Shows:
{"hour": 3, "minute": 40}
